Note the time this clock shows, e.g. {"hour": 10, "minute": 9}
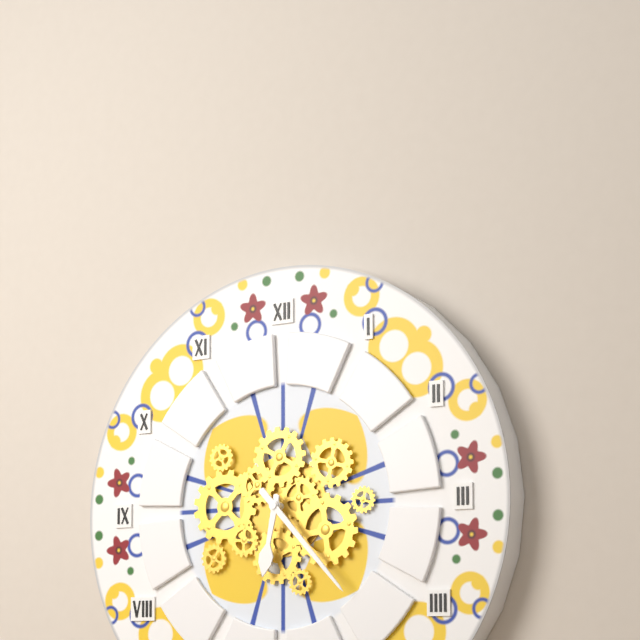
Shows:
{"hour": 6, "minute": 23}
